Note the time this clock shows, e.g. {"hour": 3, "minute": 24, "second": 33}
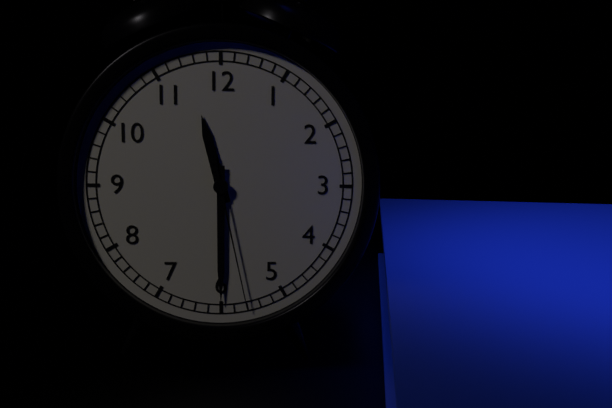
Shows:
{"hour": 11, "minute": 30, "second": 28}
